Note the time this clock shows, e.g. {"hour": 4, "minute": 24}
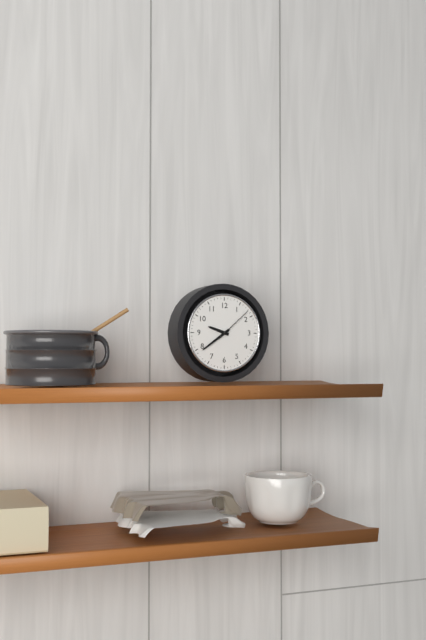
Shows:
{"hour": 9, "minute": 39}
